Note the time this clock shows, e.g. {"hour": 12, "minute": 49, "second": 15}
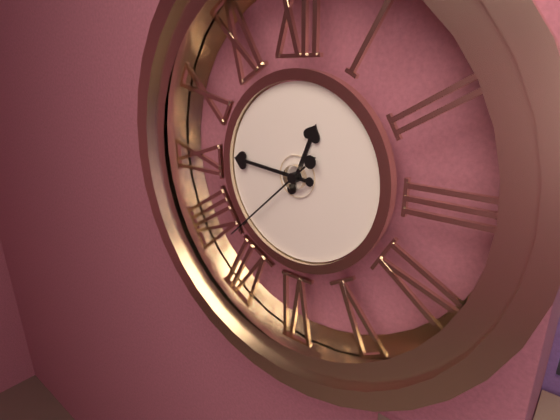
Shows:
{"hour": 12, "minute": 46, "second": 38}
